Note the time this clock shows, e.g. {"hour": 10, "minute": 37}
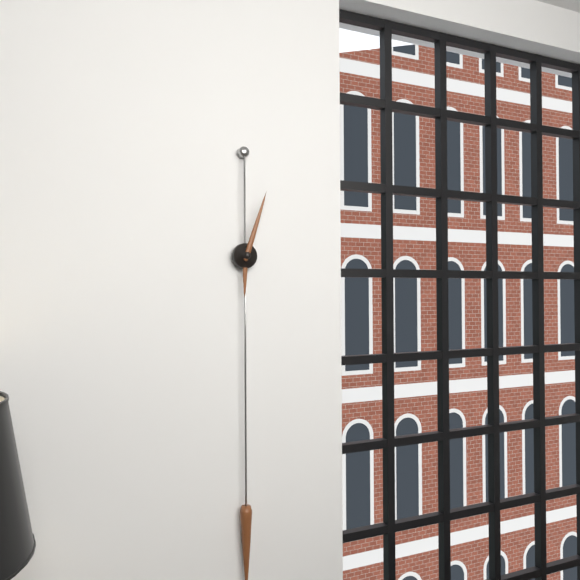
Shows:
{"hour": 6, "minute": 3}
